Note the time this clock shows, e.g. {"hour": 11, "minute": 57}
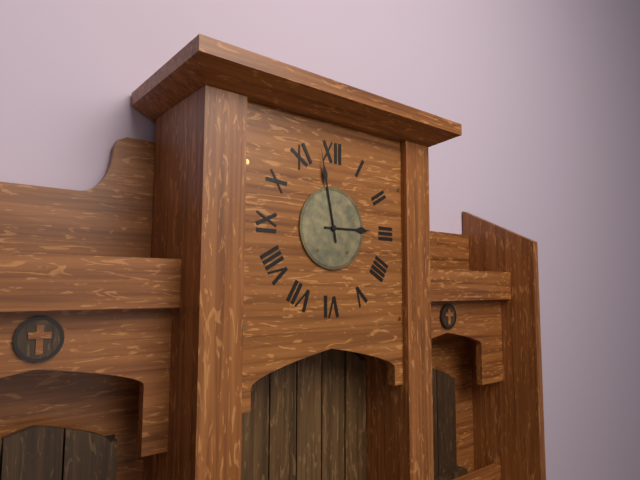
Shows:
{"hour": 2, "minute": 58}
